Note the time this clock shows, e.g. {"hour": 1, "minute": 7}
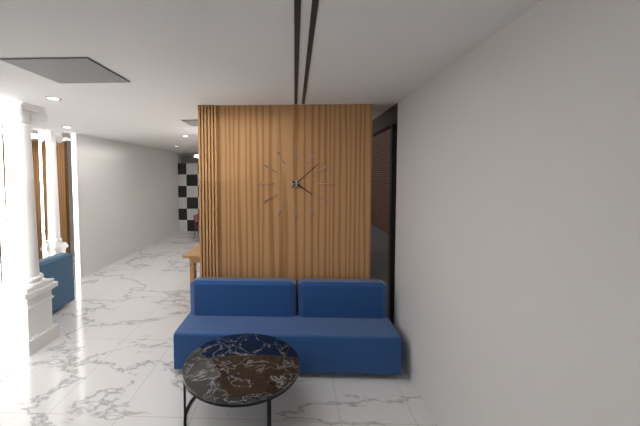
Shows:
{"hour": 4, "minute": 8}
